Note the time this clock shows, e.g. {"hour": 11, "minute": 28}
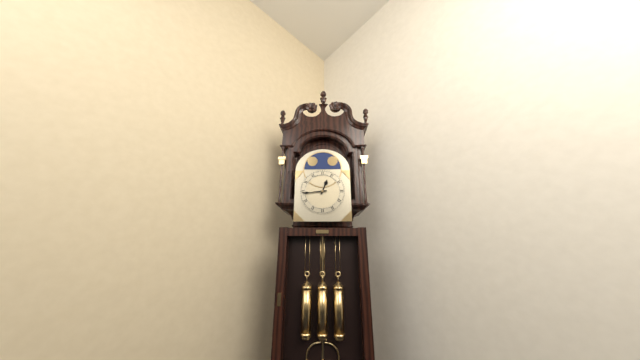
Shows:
{"hour": 12, "minute": 44}
